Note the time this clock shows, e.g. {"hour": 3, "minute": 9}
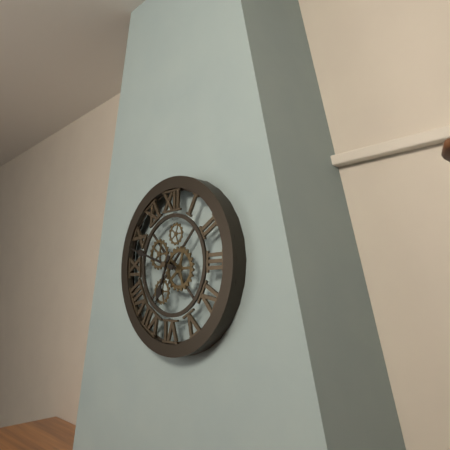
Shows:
{"hour": 6, "minute": 48}
